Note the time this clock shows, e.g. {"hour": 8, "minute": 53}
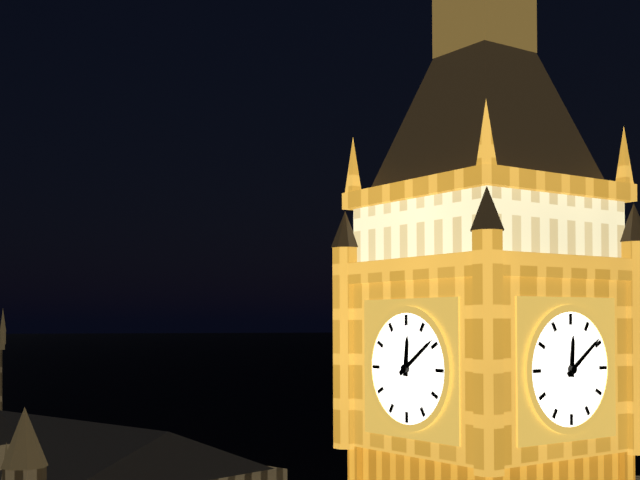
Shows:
{"hour": 12, "minute": 9}
